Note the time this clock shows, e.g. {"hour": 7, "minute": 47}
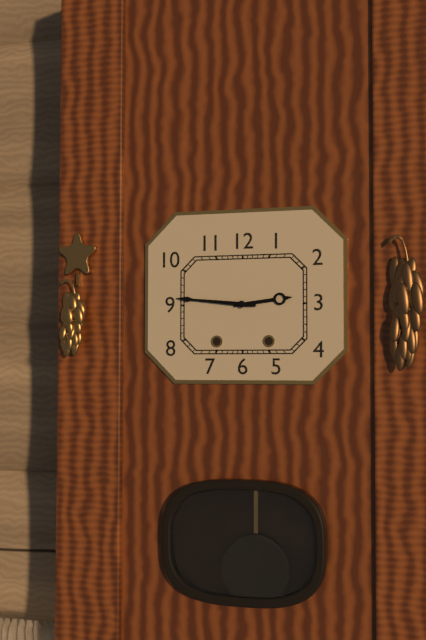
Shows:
{"hour": 2, "minute": 46}
